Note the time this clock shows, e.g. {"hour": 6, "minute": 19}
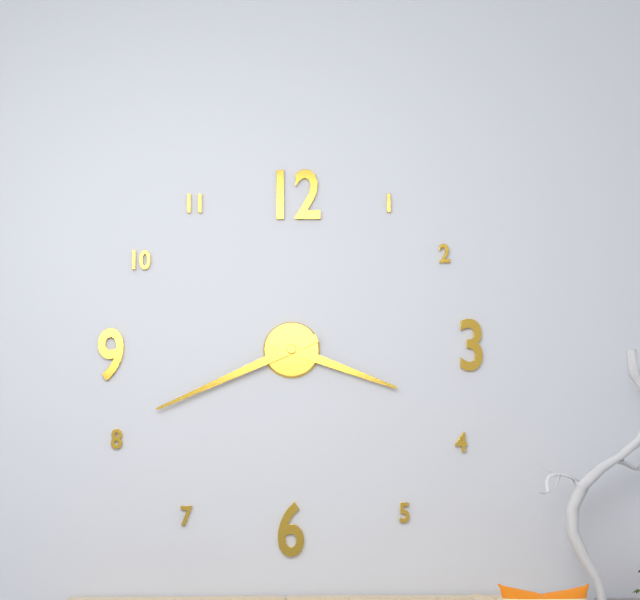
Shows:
{"hour": 3, "minute": 41}
